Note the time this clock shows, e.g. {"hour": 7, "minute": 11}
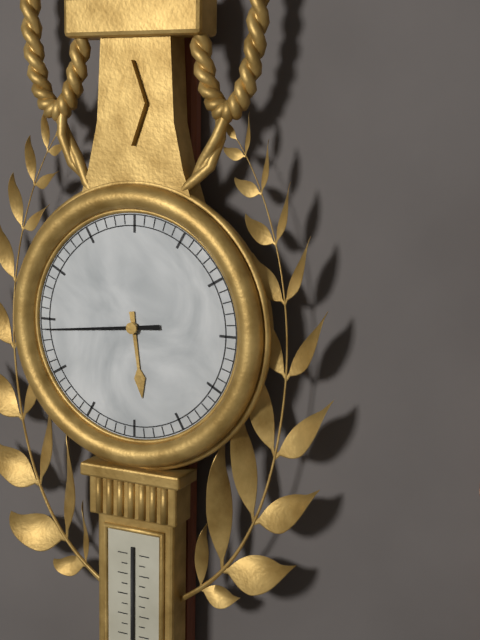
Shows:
{"hour": 5, "minute": 44}
